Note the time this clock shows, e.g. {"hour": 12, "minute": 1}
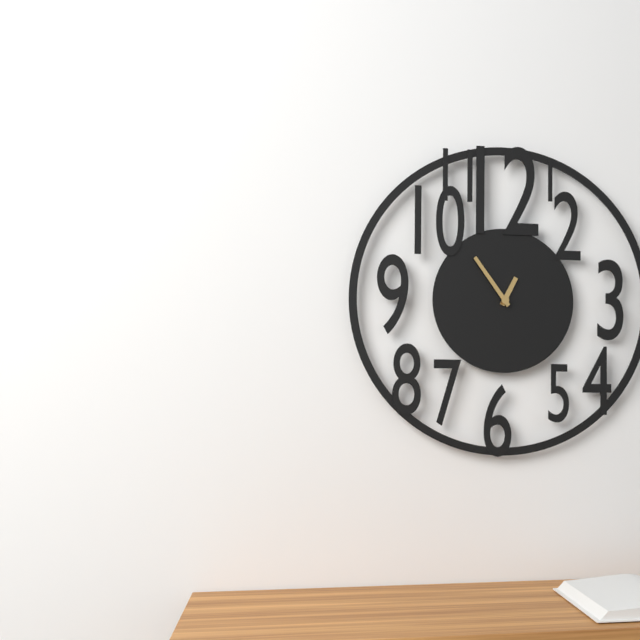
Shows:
{"hour": 12, "minute": 54}
